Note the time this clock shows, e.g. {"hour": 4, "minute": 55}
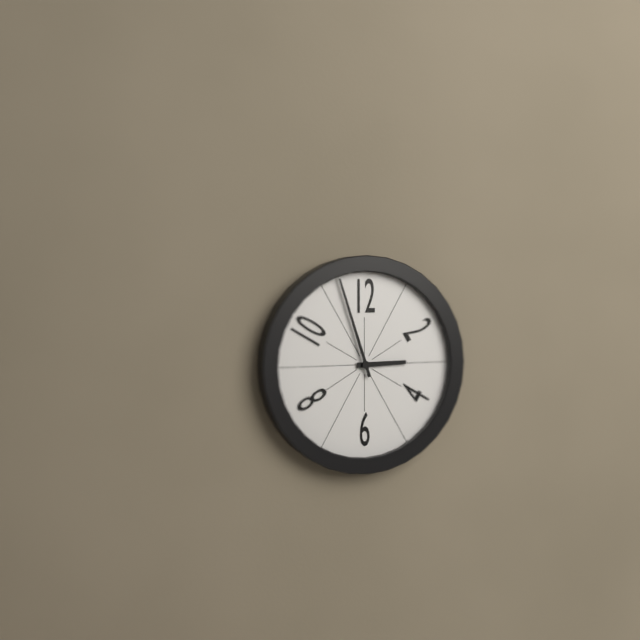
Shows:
{"hour": 2, "minute": 57}
